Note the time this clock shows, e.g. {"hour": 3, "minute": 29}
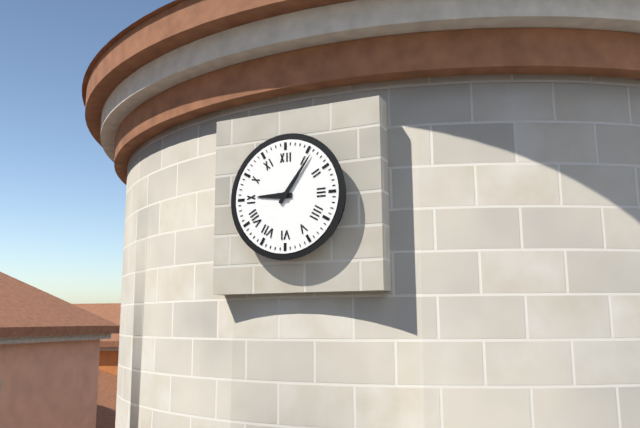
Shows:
{"hour": 9, "minute": 6}
